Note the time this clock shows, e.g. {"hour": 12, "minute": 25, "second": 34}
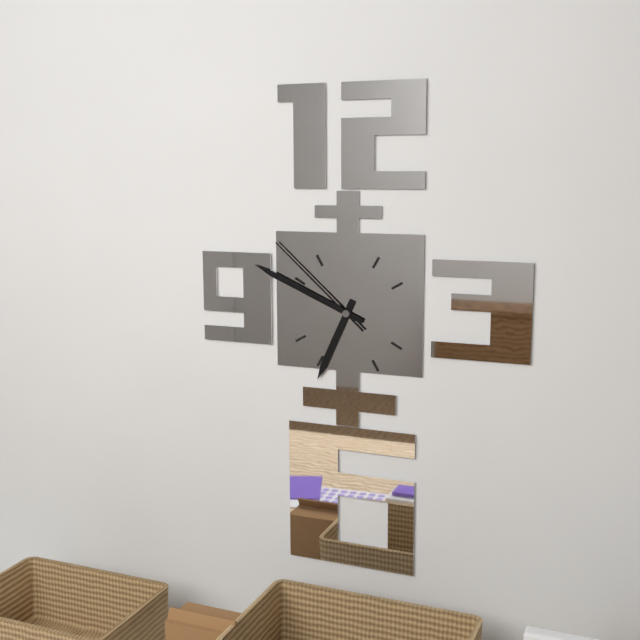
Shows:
{"hour": 6, "minute": 49, "second": 52}
